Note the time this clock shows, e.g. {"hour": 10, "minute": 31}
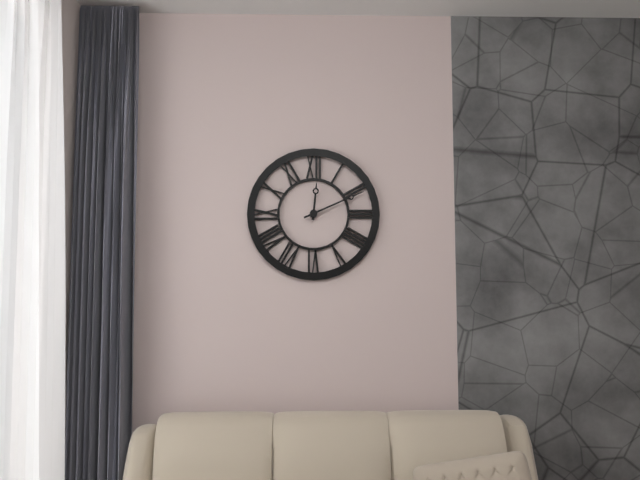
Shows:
{"hour": 12, "minute": 11}
